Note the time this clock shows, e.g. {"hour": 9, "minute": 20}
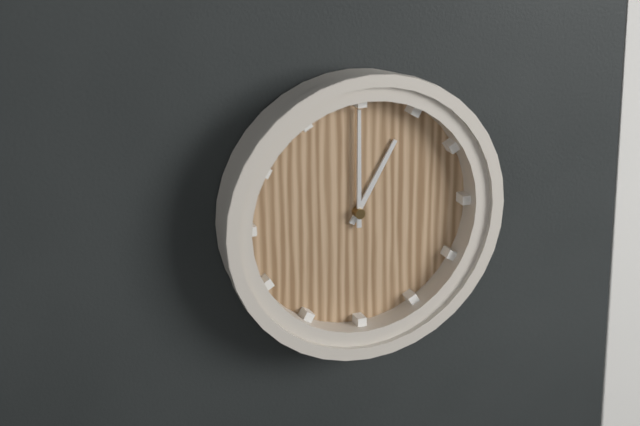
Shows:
{"hour": 1, "minute": 0}
